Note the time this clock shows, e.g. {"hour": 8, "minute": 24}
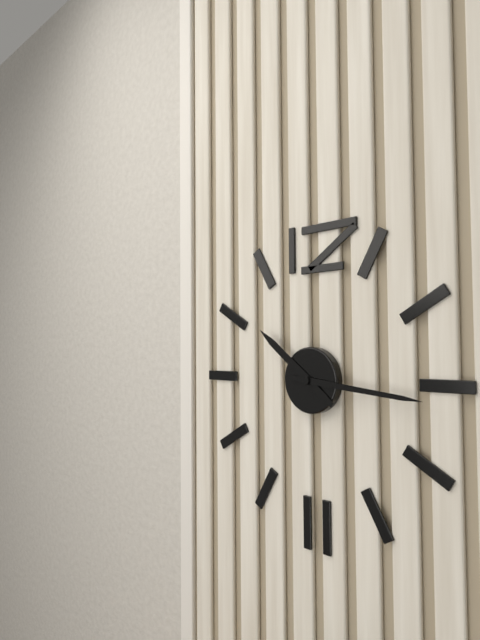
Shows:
{"hour": 10, "minute": 16}
